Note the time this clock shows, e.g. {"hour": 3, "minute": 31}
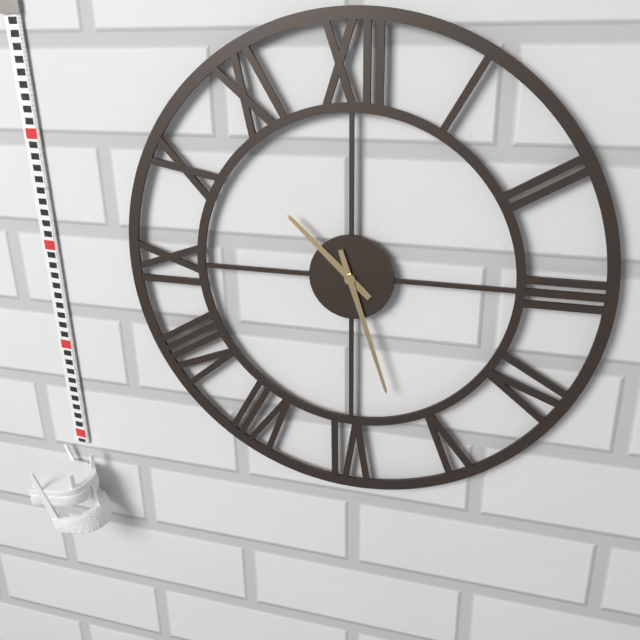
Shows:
{"hour": 10, "minute": 27}
